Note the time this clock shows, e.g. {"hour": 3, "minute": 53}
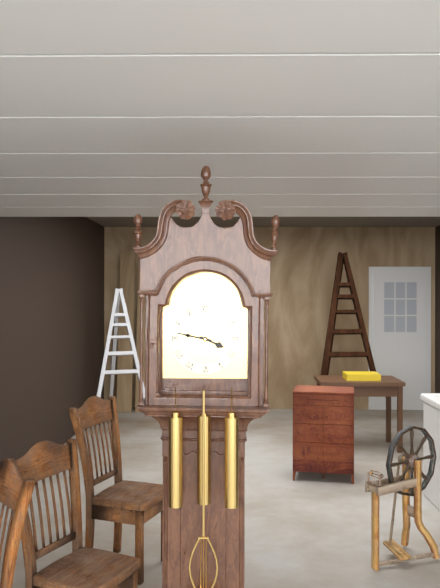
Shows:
{"hour": 3, "minute": 47}
